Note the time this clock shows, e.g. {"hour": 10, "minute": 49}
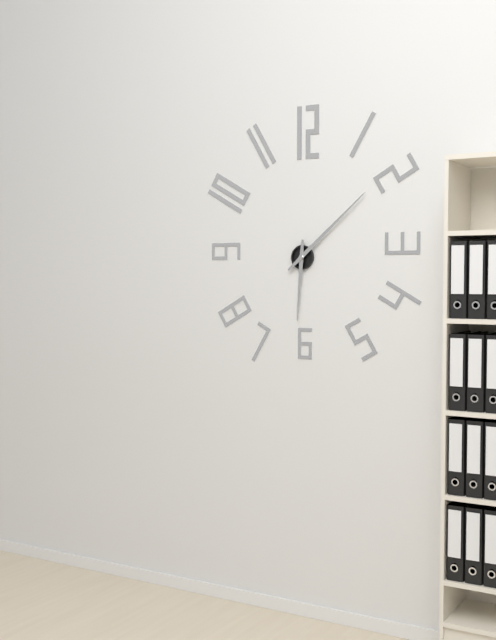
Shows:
{"hour": 6, "minute": 8}
